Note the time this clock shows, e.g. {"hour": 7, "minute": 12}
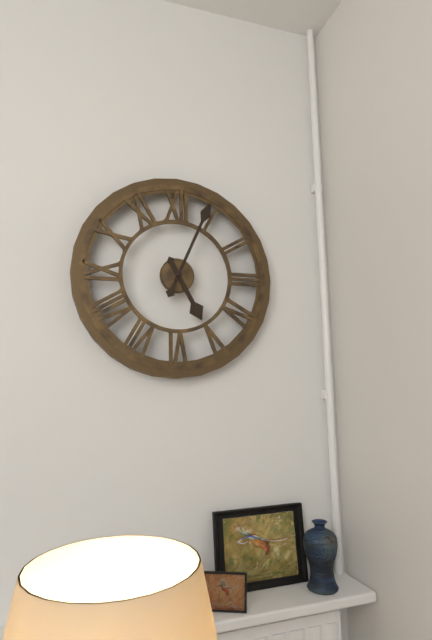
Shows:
{"hour": 5, "minute": 4}
